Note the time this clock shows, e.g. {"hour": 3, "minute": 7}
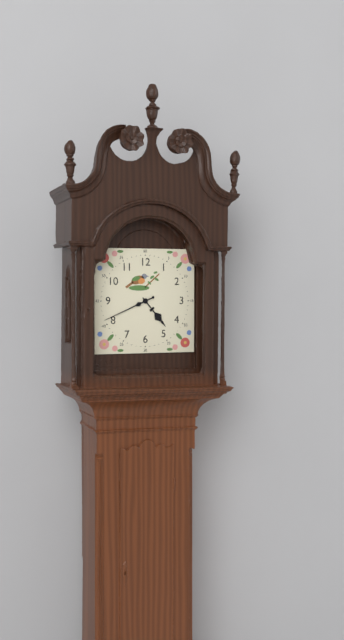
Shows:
{"hour": 4, "minute": 41}
